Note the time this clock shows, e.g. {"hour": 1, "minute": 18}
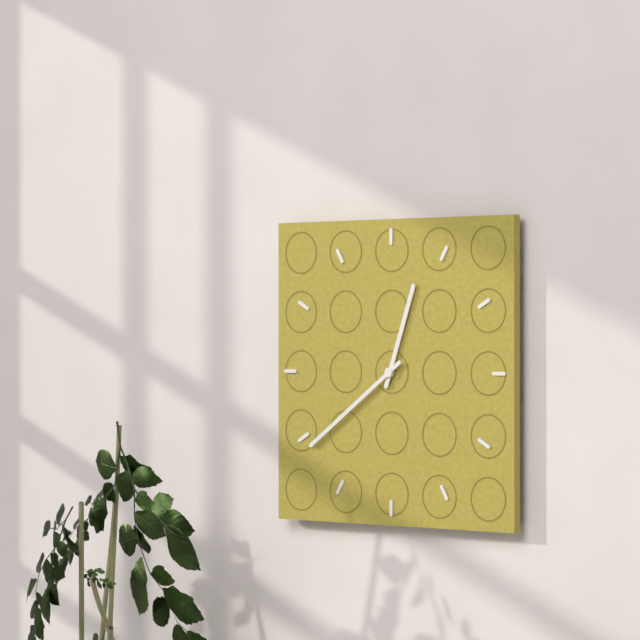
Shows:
{"hour": 12, "minute": 39}
